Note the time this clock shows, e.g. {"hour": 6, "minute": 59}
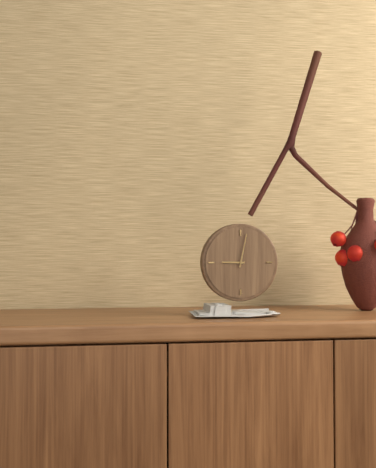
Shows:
{"hour": 9, "minute": 2}
